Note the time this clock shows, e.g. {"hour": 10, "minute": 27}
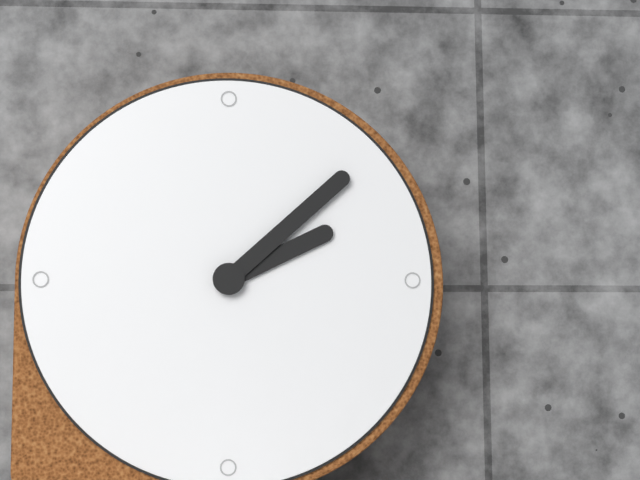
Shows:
{"hour": 2, "minute": 8}
